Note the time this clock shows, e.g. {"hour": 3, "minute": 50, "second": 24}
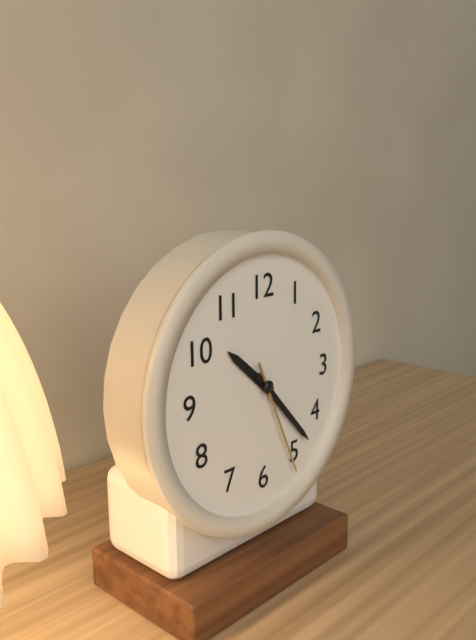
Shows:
{"hour": 10, "minute": 23, "second": 26}
